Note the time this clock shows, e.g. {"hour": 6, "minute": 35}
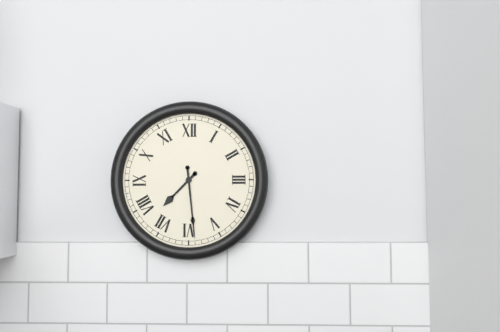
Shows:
{"hour": 7, "minute": 29}
